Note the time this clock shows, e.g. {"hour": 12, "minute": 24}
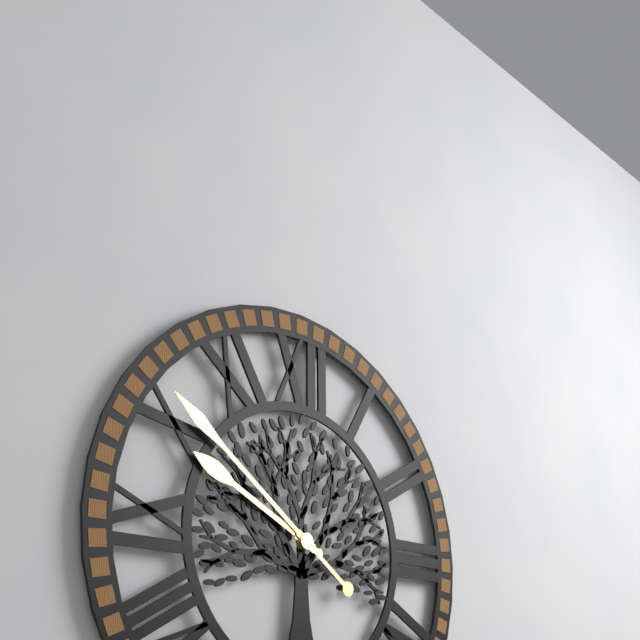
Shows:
{"hour": 9, "minute": 51}
